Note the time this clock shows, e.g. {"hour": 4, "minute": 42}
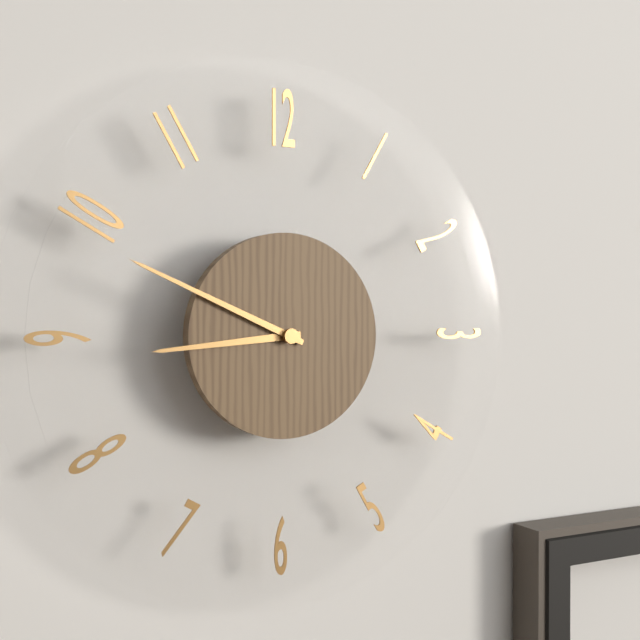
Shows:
{"hour": 8, "minute": 49}
